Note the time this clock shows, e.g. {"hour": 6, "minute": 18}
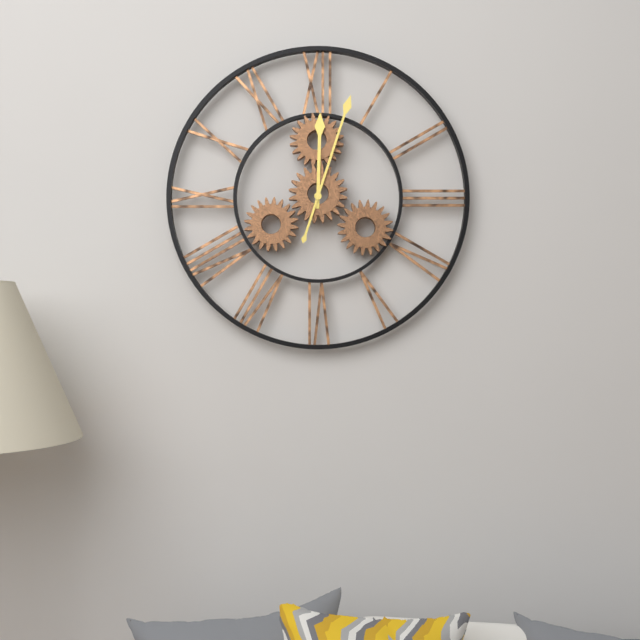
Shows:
{"hour": 12, "minute": 3}
